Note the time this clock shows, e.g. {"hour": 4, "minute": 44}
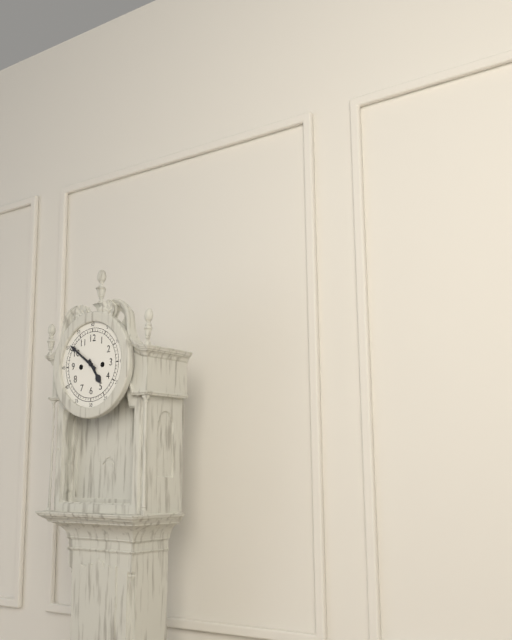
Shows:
{"hour": 4, "minute": 51}
